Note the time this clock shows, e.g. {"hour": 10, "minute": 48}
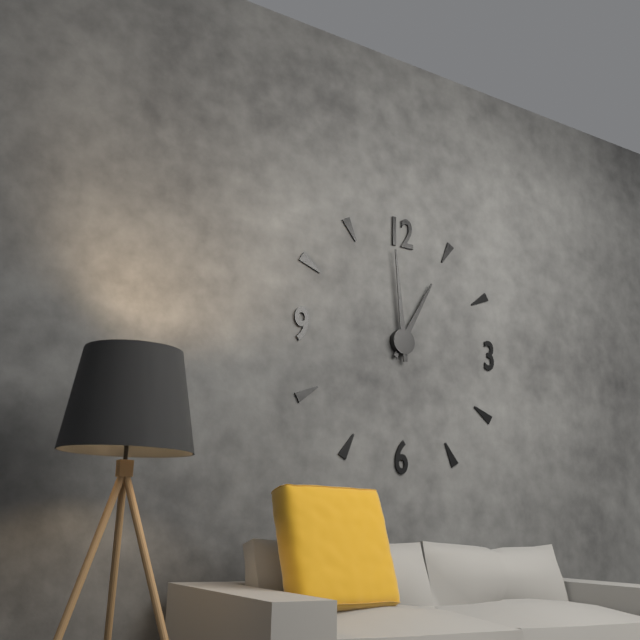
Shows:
{"hour": 12, "minute": 59}
